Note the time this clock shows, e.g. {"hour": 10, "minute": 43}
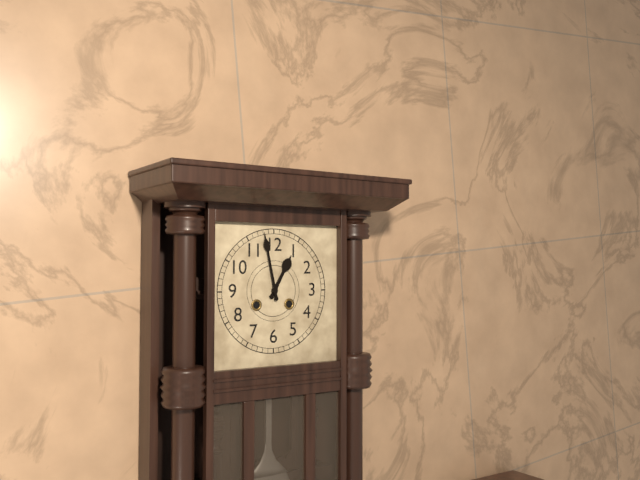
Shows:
{"hour": 12, "minute": 58}
